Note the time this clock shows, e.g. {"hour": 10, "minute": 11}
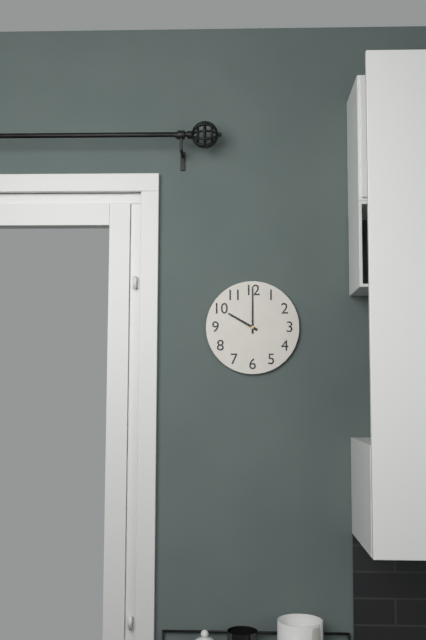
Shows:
{"hour": 10, "minute": 0}
